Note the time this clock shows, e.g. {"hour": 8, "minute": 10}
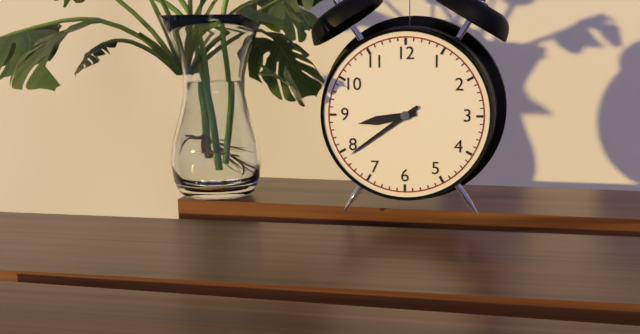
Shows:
{"hour": 8, "minute": 39}
